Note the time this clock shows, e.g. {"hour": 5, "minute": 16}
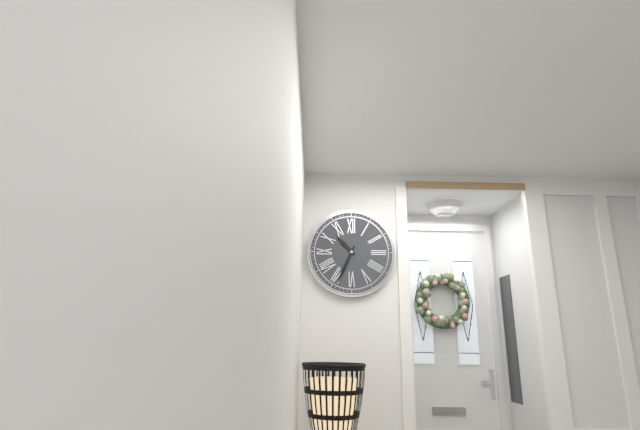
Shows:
{"hour": 10, "minute": 34}
